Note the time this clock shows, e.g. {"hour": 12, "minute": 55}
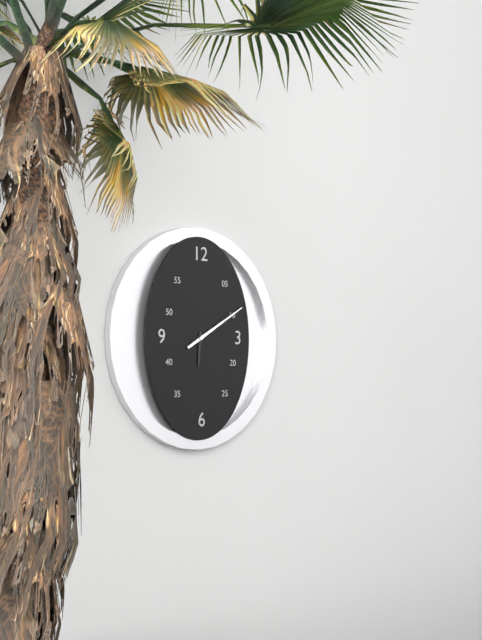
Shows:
{"hour": 6, "minute": 10}
